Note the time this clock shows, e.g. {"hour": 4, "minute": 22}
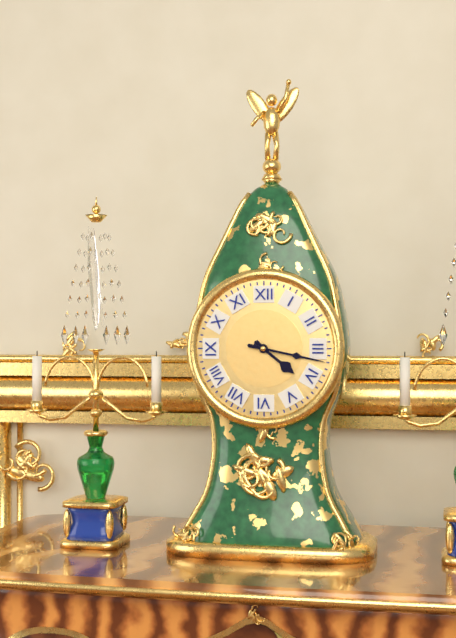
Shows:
{"hour": 4, "minute": 17}
